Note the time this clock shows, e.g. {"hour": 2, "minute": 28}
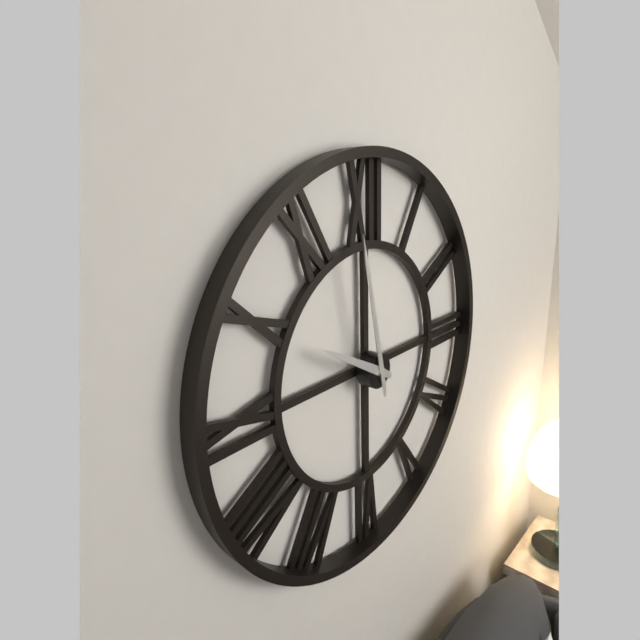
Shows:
{"hour": 9, "minute": 58}
